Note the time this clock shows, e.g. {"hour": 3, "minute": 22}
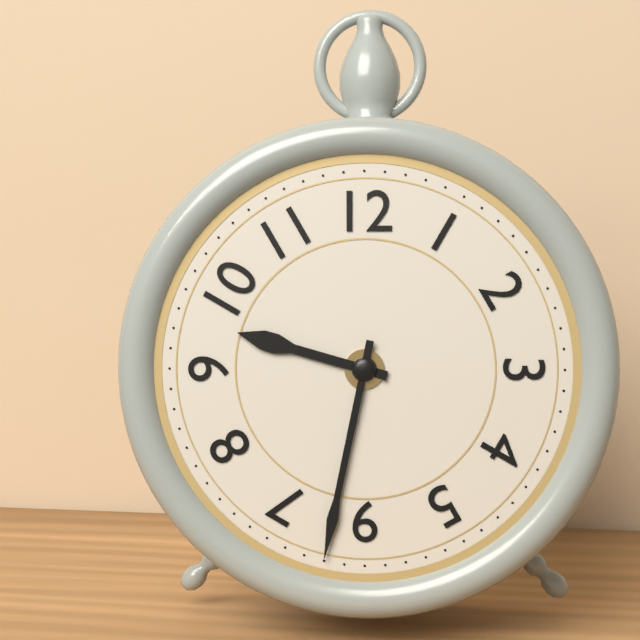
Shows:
{"hour": 9, "minute": 32}
